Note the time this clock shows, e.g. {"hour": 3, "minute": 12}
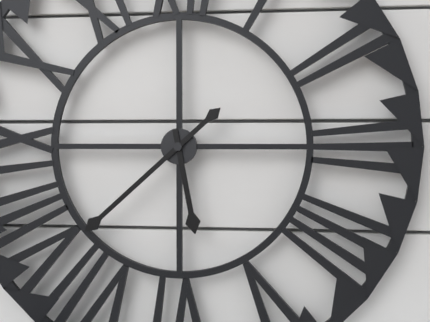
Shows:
{"hour": 5, "minute": 38}
